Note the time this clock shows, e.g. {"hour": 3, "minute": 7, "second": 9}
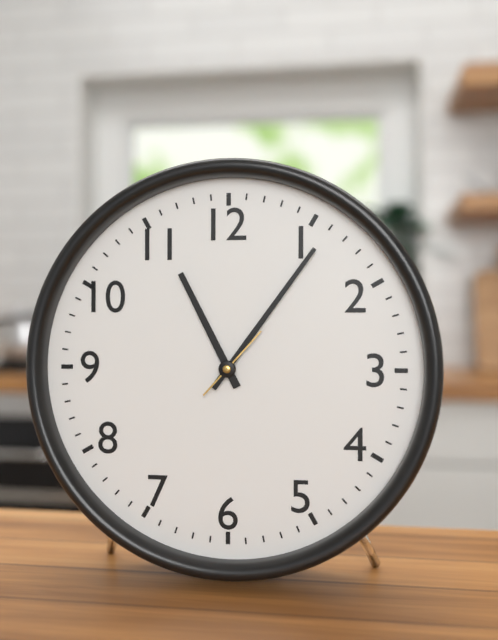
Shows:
{"hour": 11, "minute": 6, "second": 7}
